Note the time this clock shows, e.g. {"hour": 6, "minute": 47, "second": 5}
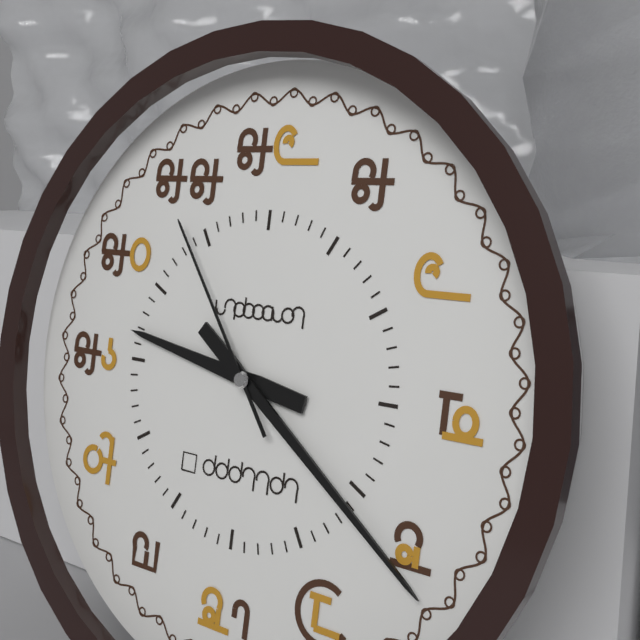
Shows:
{"hour": 9, "minute": 21, "second": 54}
